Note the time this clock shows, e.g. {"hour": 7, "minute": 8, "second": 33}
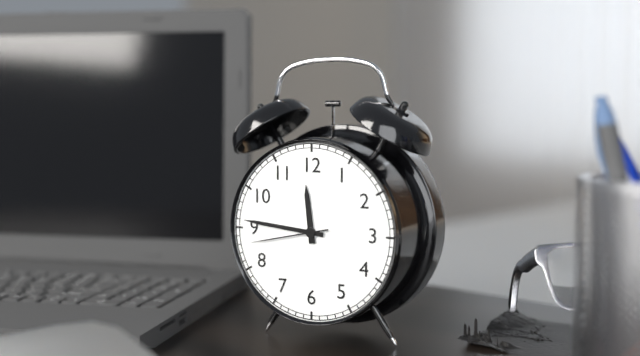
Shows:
{"hour": 11, "minute": 46, "second": 43}
